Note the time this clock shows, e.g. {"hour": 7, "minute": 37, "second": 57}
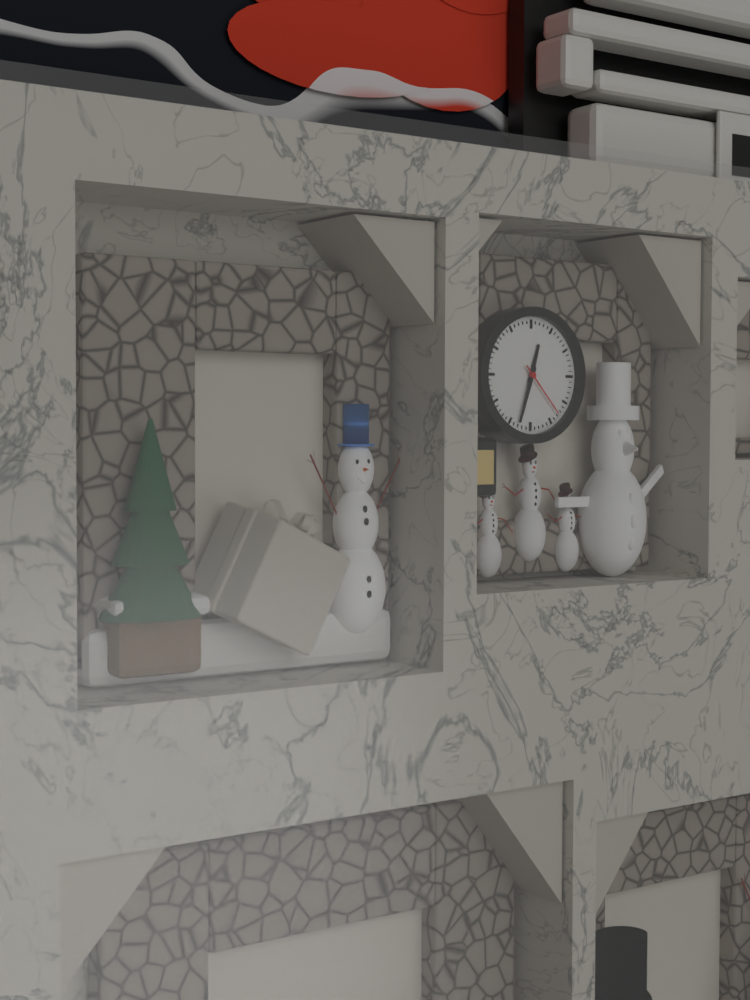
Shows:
{"hour": 12, "minute": 33, "second": 23}
